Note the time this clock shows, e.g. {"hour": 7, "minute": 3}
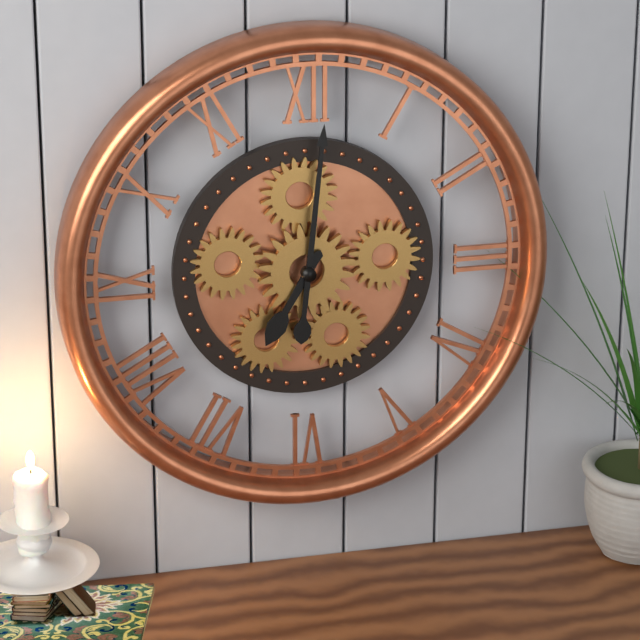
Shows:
{"hour": 7, "minute": 1}
